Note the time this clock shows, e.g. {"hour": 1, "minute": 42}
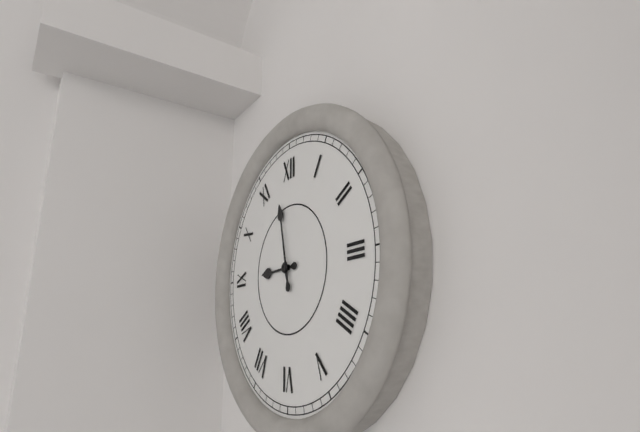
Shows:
{"hour": 8, "minute": 58}
